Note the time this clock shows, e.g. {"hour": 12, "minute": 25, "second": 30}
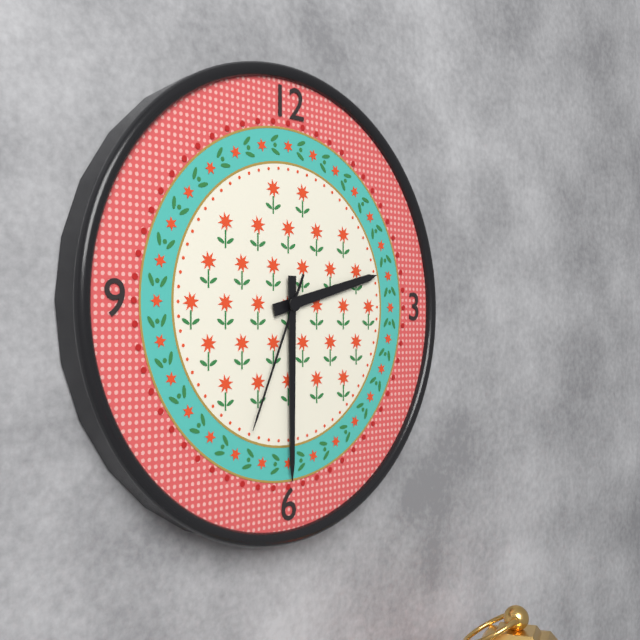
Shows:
{"hour": 2, "minute": 30, "second": 34}
